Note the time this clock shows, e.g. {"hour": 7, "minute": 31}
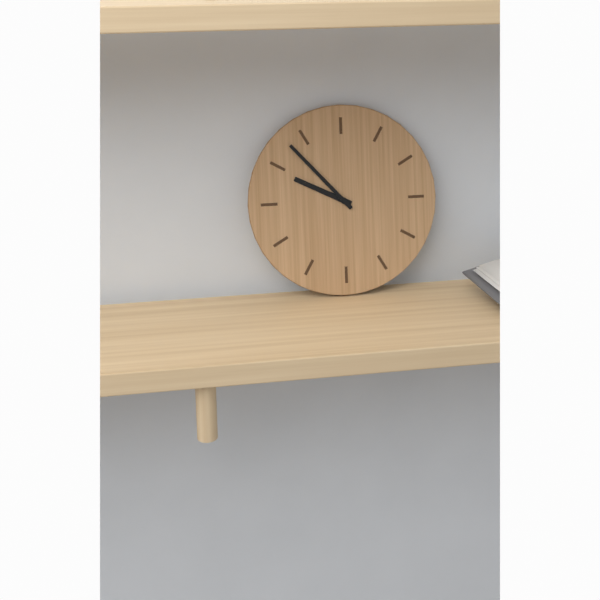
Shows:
{"hour": 9, "minute": 53}
